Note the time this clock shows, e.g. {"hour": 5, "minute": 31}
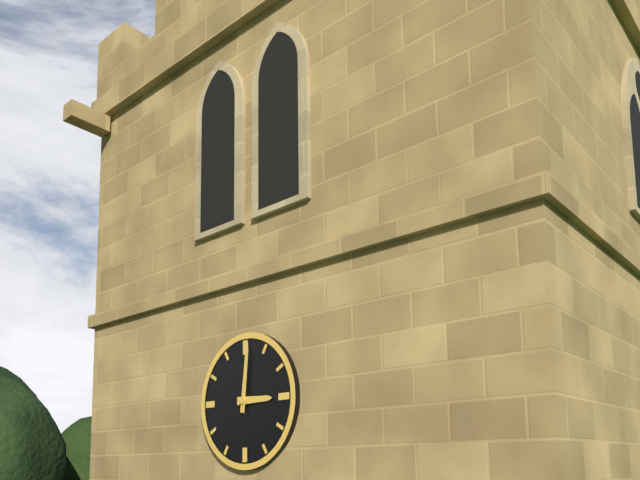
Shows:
{"hour": 3, "minute": 1}
